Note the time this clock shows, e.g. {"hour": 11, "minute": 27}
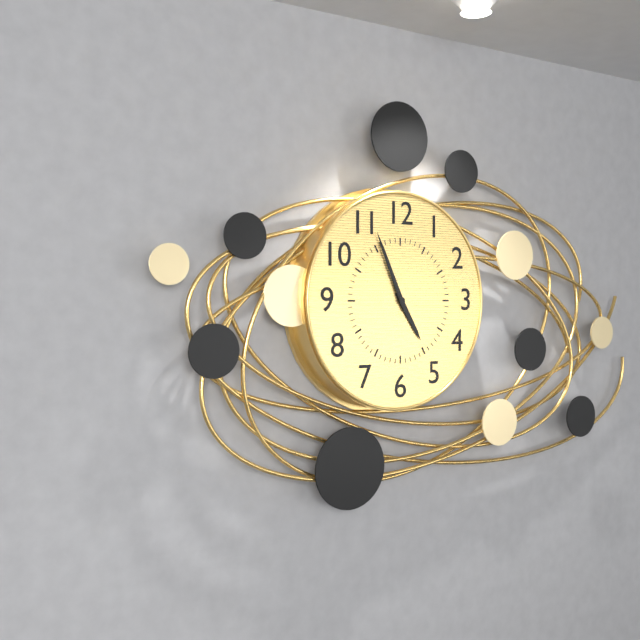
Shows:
{"hour": 4, "minute": 56}
